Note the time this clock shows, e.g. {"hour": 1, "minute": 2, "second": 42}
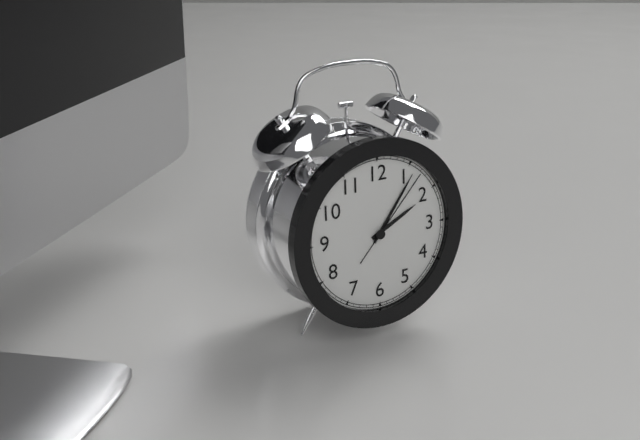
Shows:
{"hour": 2, "minute": 6, "second": 7}
